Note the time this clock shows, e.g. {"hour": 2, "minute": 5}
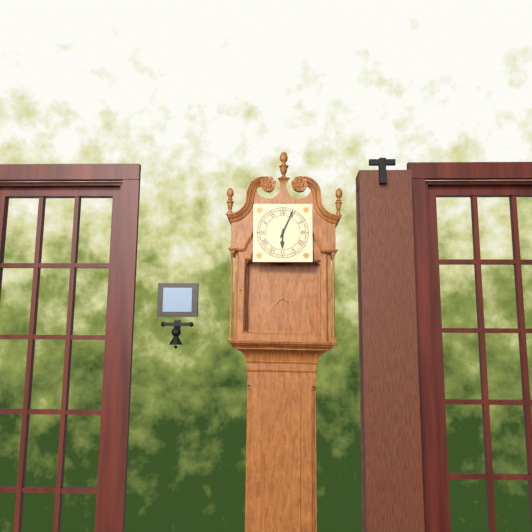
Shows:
{"hour": 6, "minute": 4}
